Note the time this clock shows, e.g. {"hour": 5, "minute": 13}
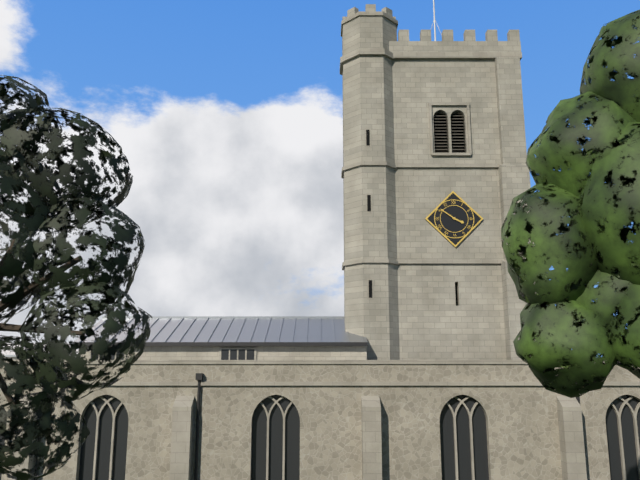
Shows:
{"hour": 3, "minute": 51}
